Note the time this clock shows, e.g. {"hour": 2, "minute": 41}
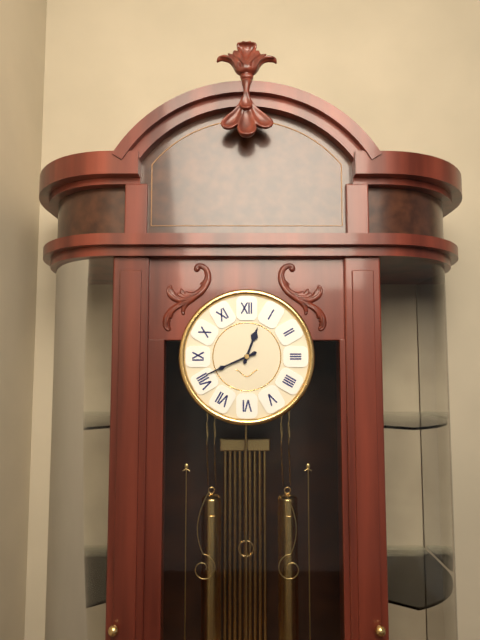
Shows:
{"hour": 12, "minute": 41}
